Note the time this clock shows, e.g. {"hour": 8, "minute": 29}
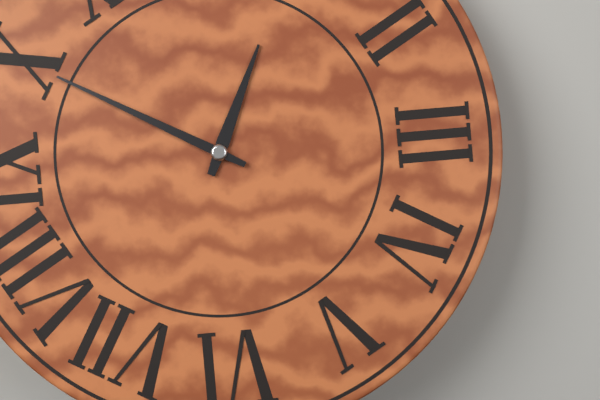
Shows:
{"hour": 12, "minute": 50}
